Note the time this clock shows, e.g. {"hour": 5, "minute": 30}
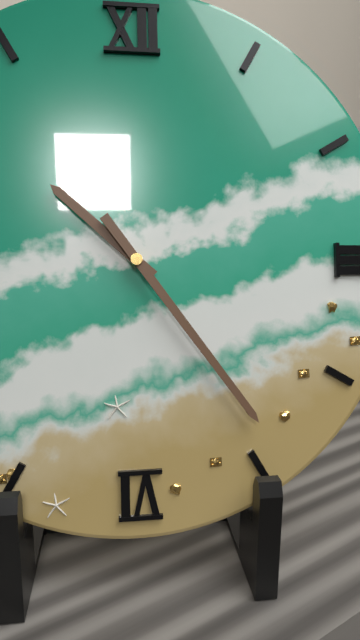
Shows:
{"hour": 10, "minute": 24}
